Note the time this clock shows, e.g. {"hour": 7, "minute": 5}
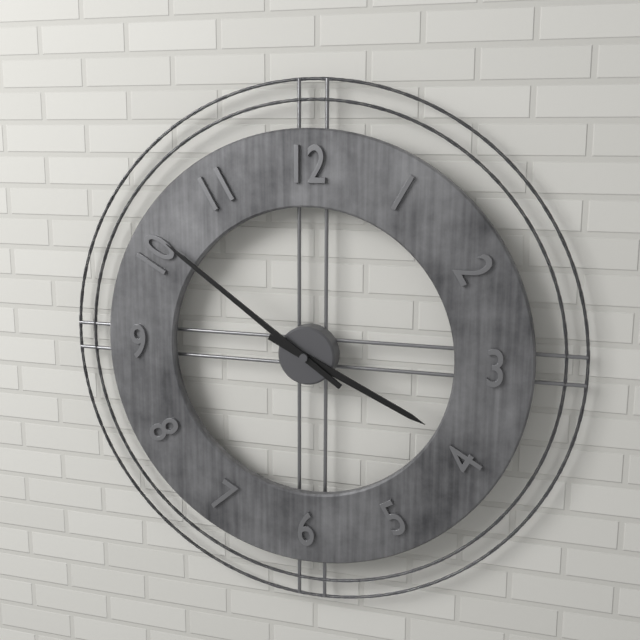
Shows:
{"hour": 3, "minute": 51}
